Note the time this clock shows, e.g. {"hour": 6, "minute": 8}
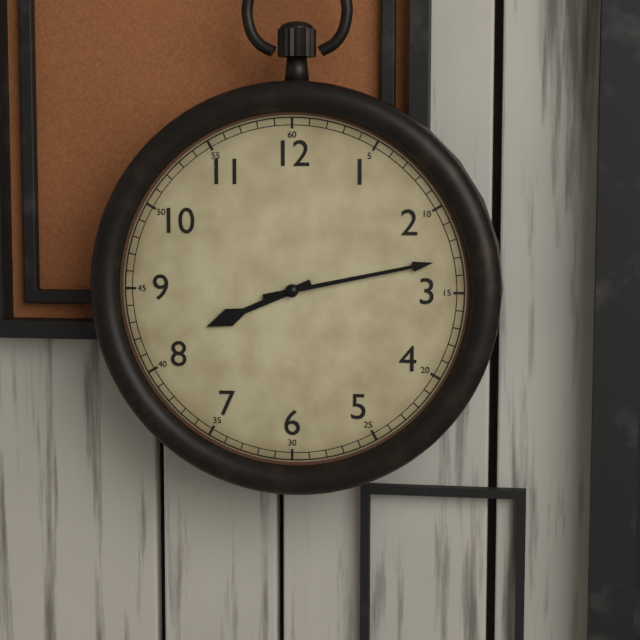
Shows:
{"hour": 8, "minute": 13}
